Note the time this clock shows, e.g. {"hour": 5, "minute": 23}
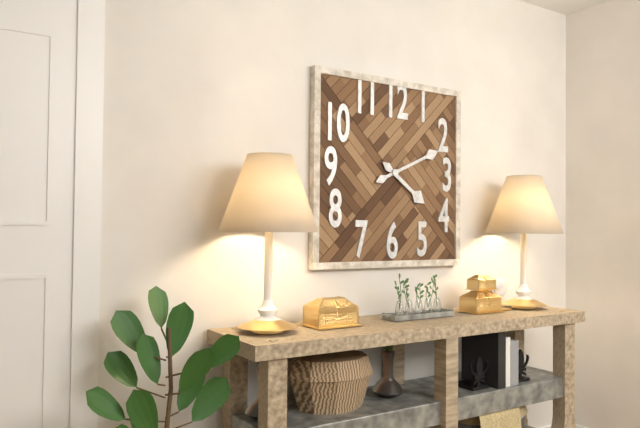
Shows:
{"hour": 4, "minute": 11}
